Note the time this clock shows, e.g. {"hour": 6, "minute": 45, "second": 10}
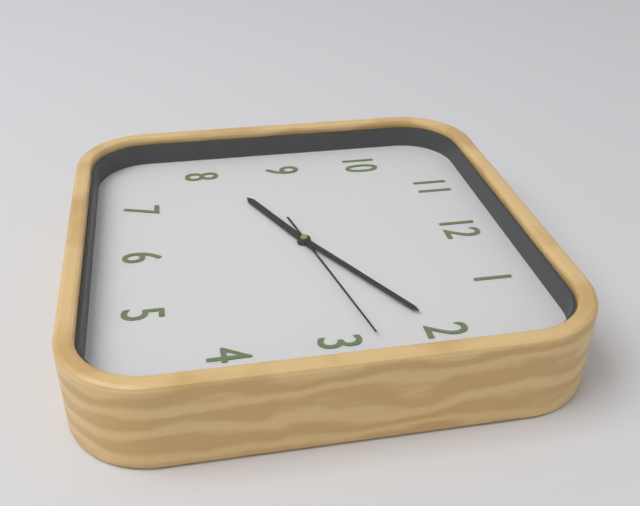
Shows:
{"hour": 8, "minute": 10, "second": 13}
